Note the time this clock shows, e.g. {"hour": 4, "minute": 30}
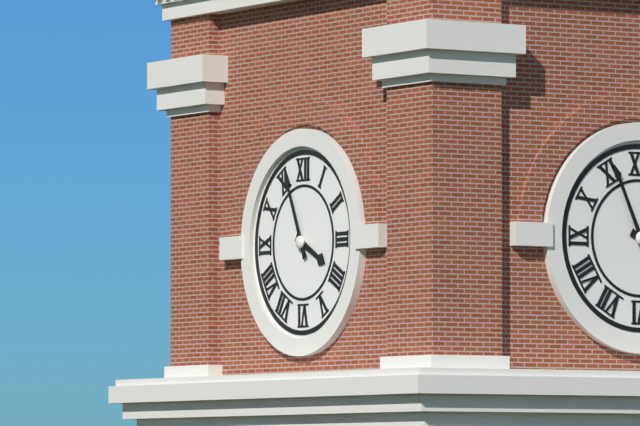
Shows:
{"hour": 3, "minute": 56}
